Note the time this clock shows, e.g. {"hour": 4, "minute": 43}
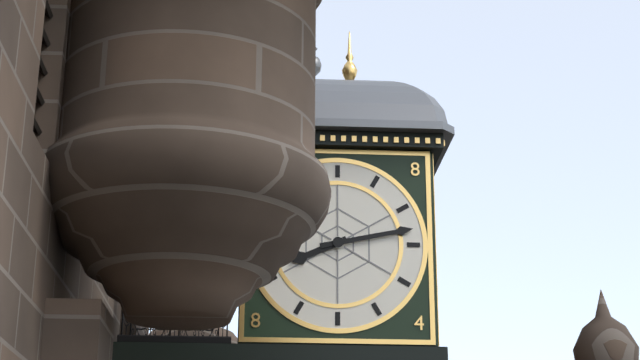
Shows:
{"hour": 8, "minute": 13}
